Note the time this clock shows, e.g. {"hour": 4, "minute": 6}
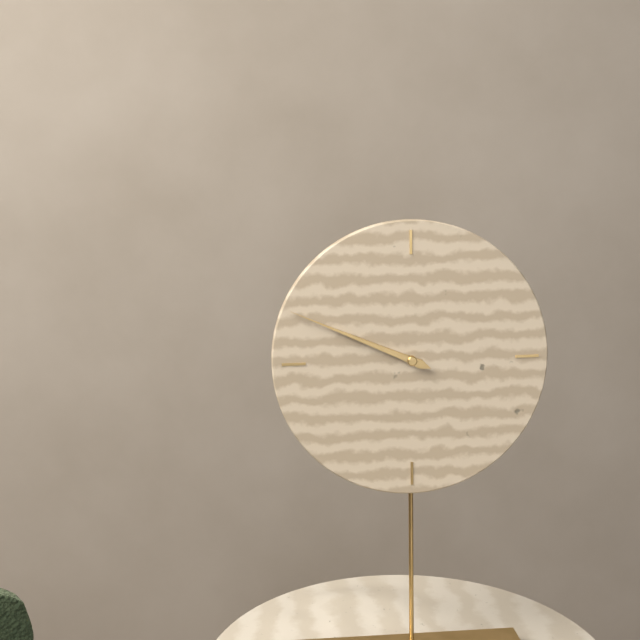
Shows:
{"hour": 9, "minute": 49}
